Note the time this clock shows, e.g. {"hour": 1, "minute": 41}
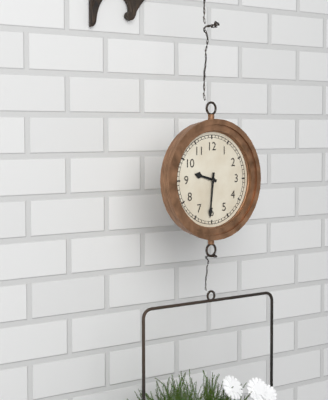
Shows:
{"hour": 9, "minute": 31}
